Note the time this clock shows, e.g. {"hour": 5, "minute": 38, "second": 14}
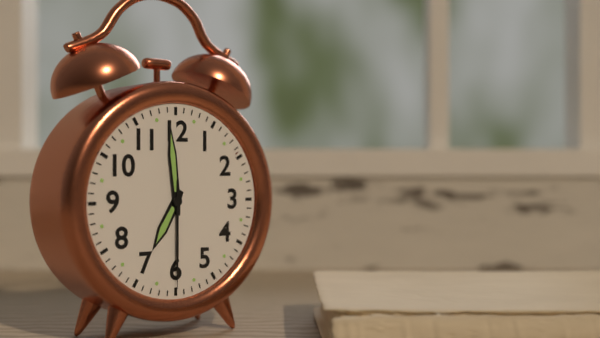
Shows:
{"hour": 6, "minute": 59, "second": 30}
